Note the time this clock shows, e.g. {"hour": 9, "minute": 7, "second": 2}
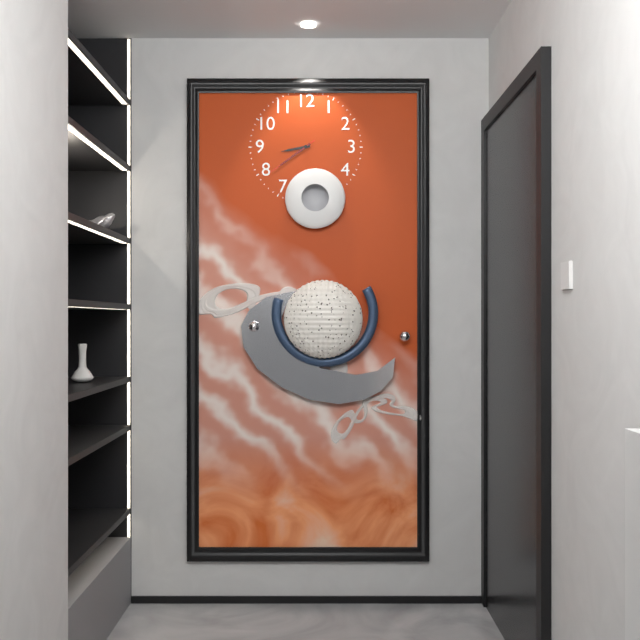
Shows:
{"hour": 8, "minute": 39, "second": 39}
